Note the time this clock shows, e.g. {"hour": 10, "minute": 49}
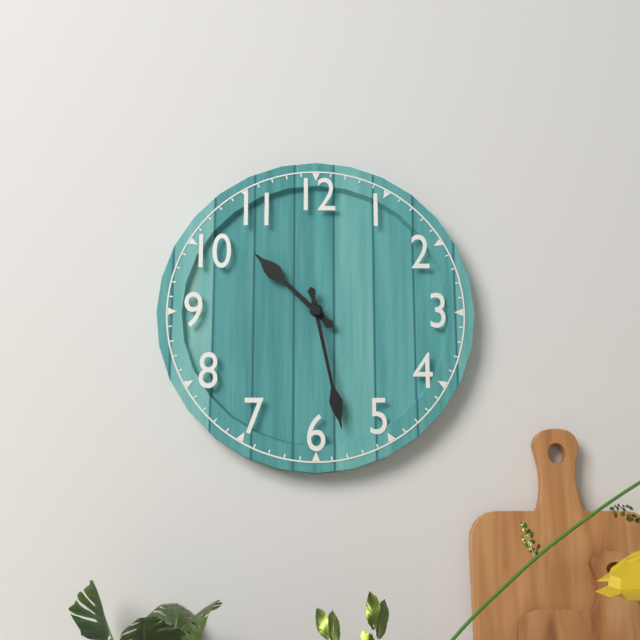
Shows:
{"hour": 10, "minute": 28}
